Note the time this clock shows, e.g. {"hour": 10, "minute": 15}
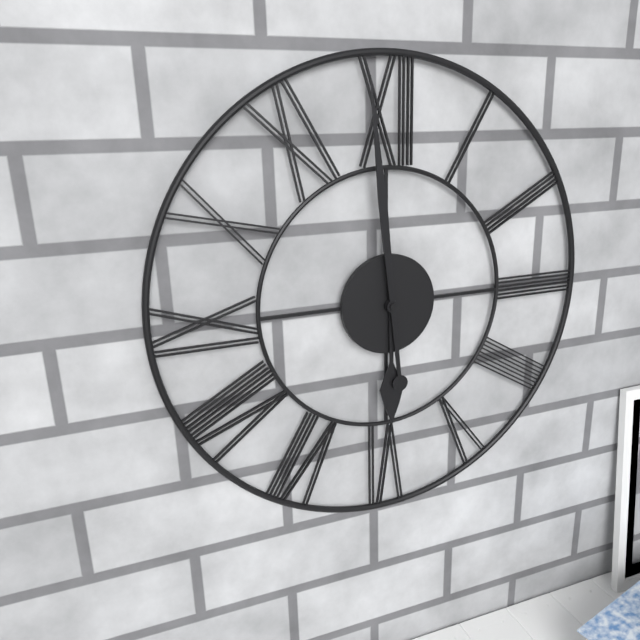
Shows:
{"hour": 5, "minute": 59}
